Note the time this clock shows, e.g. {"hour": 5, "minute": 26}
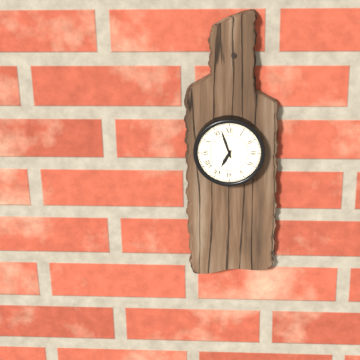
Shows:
{"hour": 6, "minute": 57}
